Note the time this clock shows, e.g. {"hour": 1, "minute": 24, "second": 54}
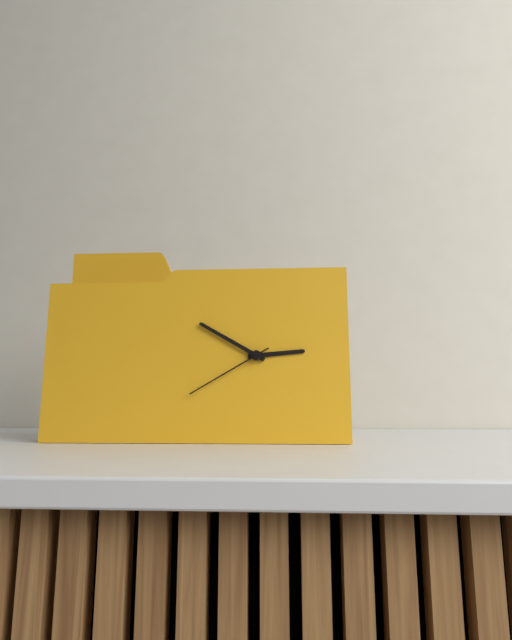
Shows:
{"hour": 2, "minute": 50, "second": 40}
